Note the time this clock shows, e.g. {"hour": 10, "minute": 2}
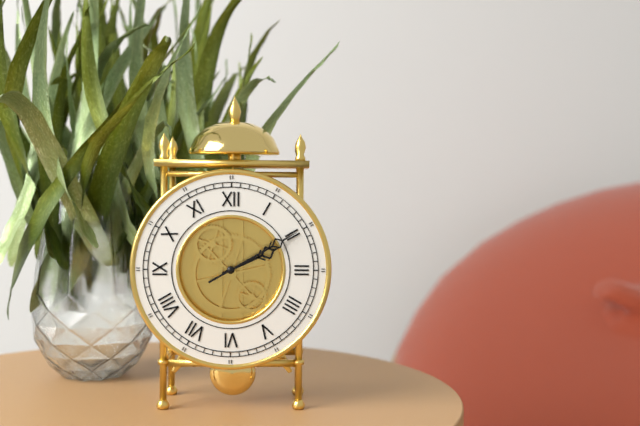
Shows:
{"hour": 2, "minute": 10}
